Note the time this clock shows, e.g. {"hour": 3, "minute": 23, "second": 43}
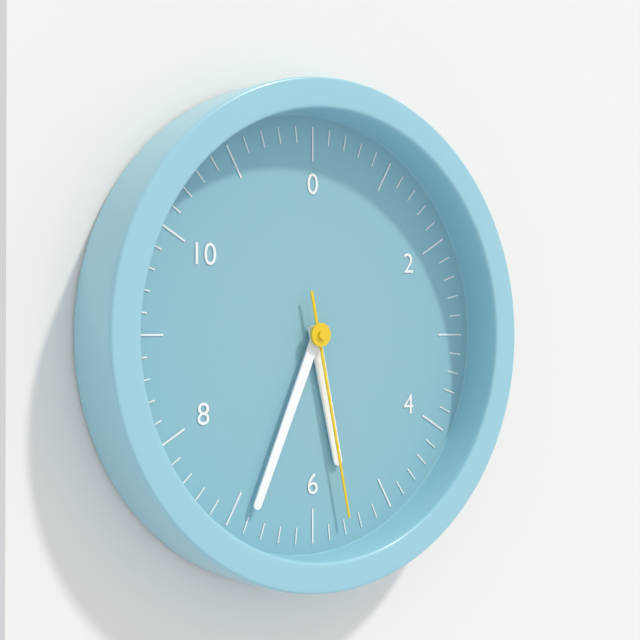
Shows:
{"hour": 5, "minute": 34, "second": 28}
